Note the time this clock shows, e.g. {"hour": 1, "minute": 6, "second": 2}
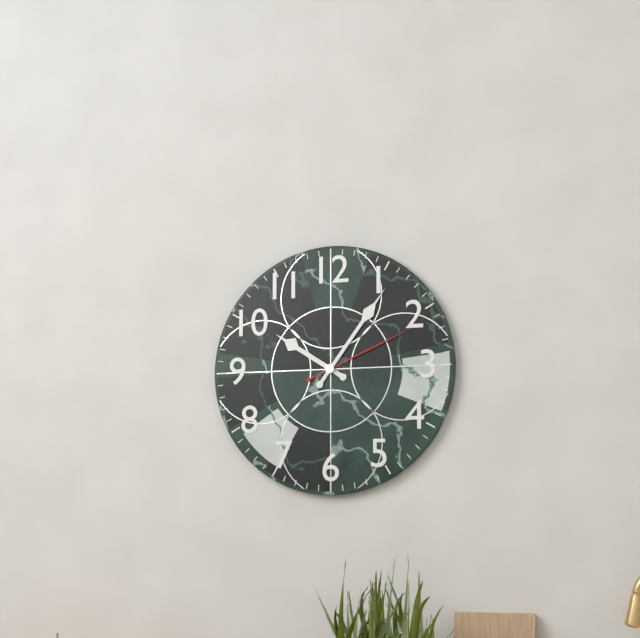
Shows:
{"hour": 10, "minute": 6, "second": 11}
